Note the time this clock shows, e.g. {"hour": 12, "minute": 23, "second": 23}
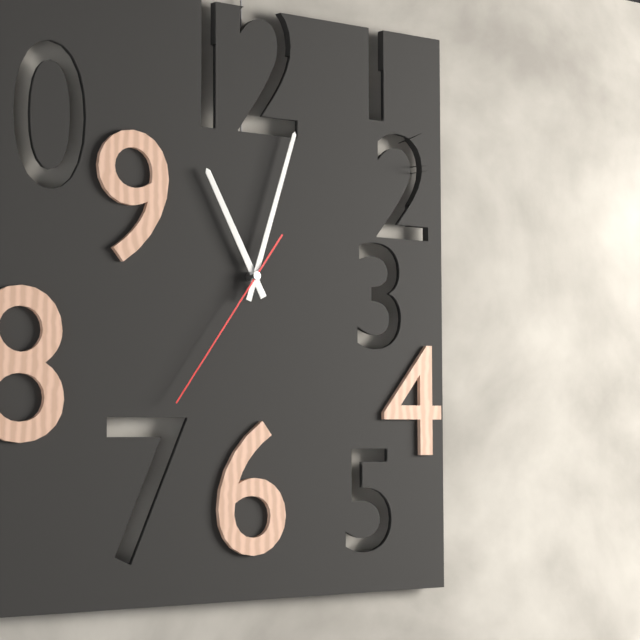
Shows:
{"hour": 11, "minute": 3, "second": 36}
